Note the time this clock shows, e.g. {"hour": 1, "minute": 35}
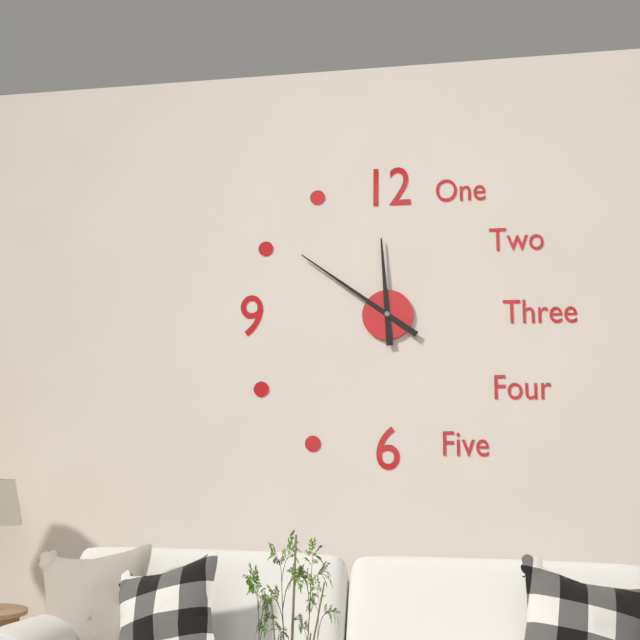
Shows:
{"hour": 11, "minute": 51}
